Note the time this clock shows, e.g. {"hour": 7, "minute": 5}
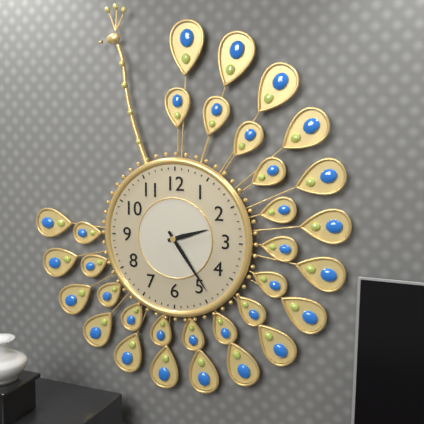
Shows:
{"hour": 2, "minute": 24}
